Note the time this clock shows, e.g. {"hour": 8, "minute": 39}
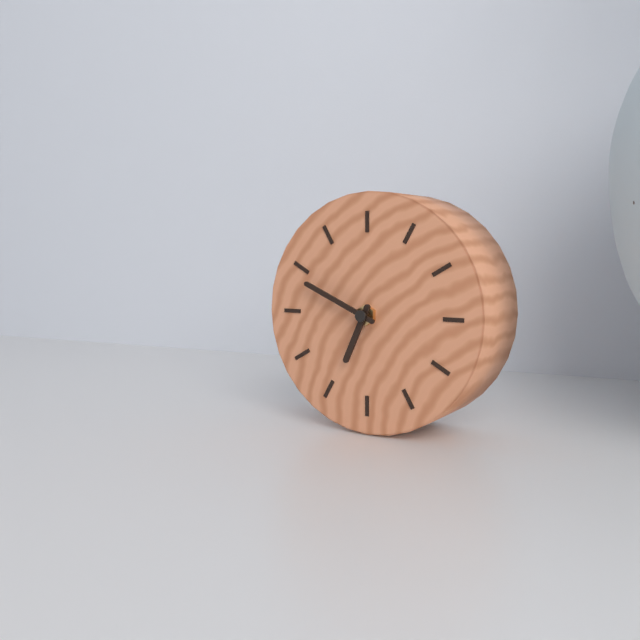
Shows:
{"hour": 6, "minute": 49}
